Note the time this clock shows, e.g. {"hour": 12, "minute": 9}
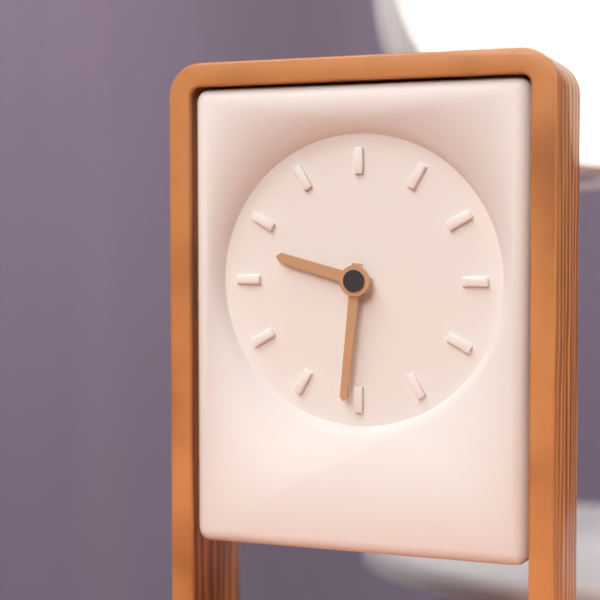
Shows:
{"hour": 9, "minute": 31}
